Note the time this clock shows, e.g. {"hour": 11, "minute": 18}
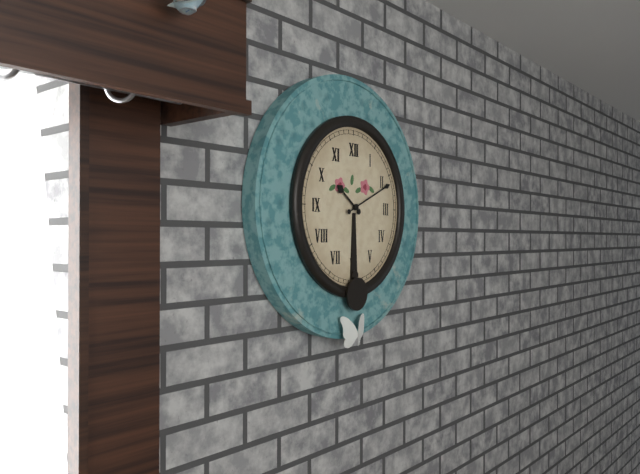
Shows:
{"hour": 10, "minute": 11}
